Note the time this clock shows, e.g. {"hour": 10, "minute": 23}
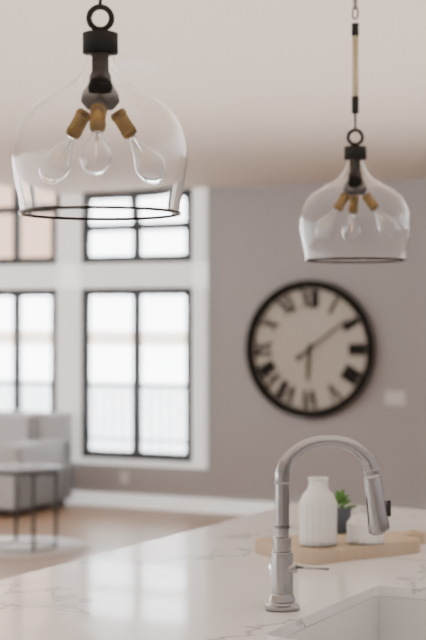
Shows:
{"hour": 6, "minute": 9}
